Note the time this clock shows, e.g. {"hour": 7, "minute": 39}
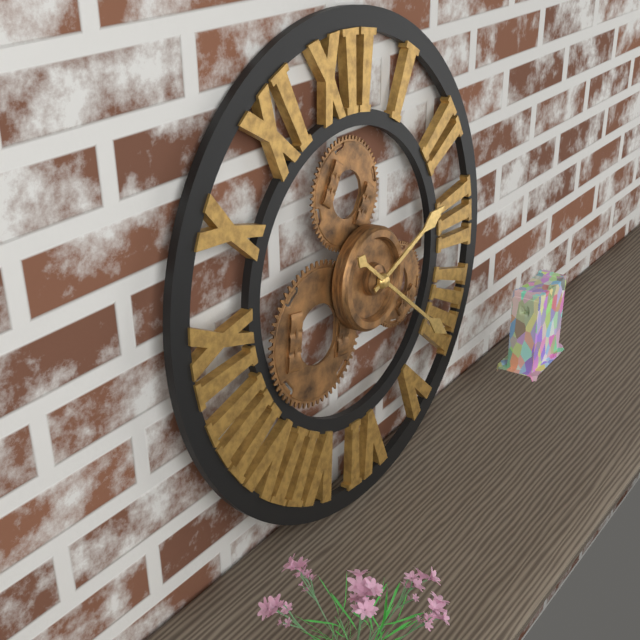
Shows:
{"hour": 2, "minute": 22}
